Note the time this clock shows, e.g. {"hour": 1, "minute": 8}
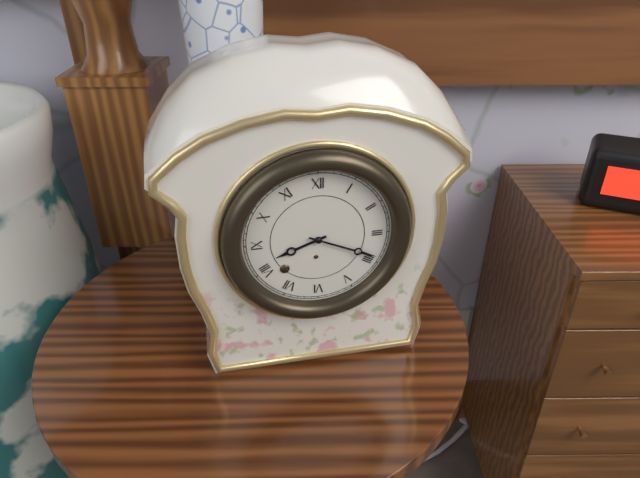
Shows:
{"hour": 8, "minute": 19}
